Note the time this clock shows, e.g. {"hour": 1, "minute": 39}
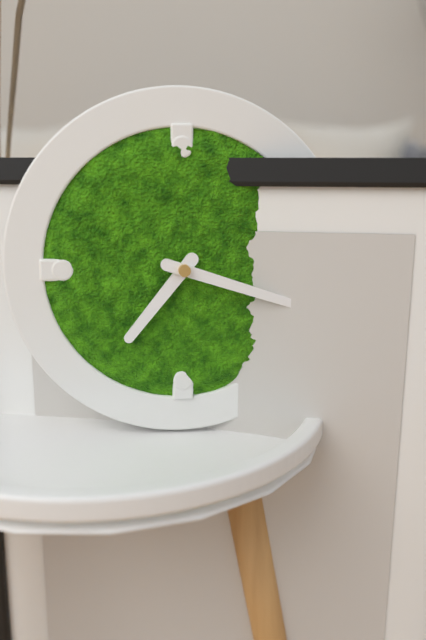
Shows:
{"hour": 7, "minute": 18}
